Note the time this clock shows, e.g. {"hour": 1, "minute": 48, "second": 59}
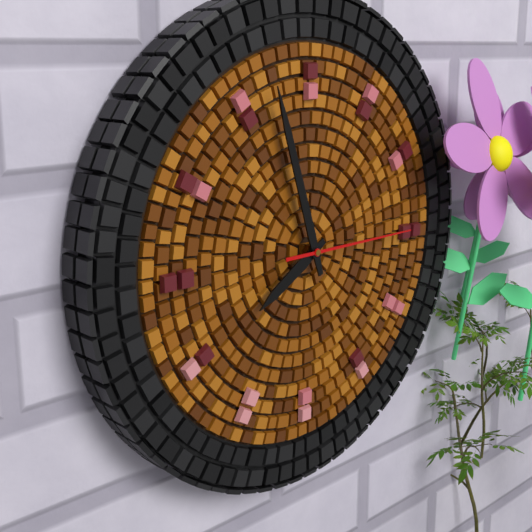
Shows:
{"hour": 7, "minute": 57, "second": 15}
